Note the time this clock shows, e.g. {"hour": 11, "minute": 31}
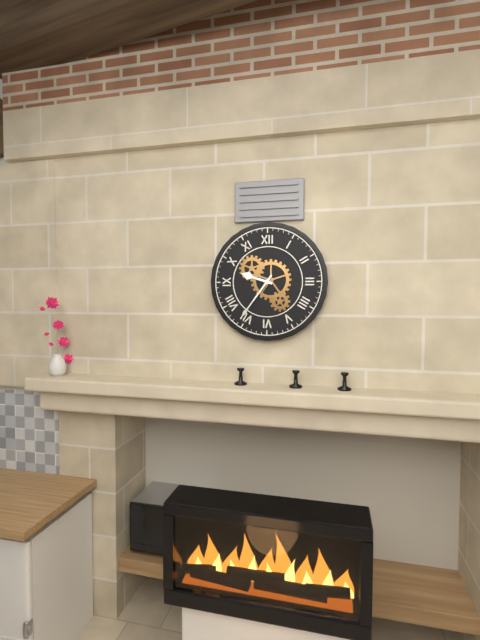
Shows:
{"hour": 9, "minute": 36}
